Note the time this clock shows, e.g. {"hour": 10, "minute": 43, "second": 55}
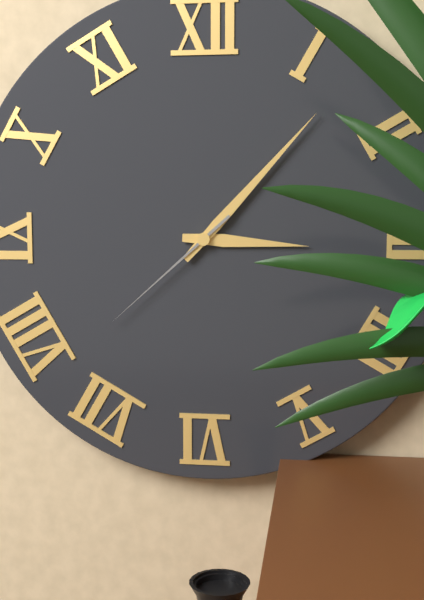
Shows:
{"hour": 3, "minute": 7, "second": 38}
